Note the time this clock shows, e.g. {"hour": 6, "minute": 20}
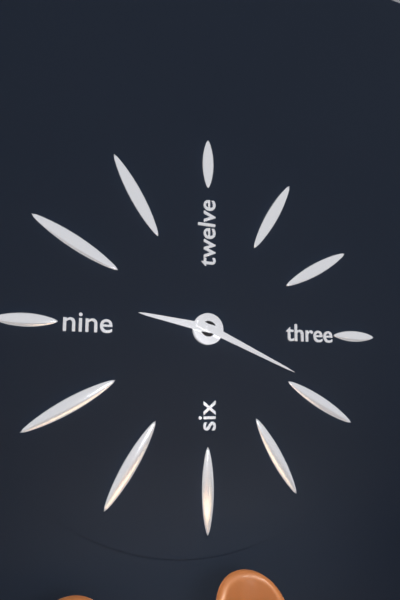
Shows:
{"hour": 9, "minute": 19}
